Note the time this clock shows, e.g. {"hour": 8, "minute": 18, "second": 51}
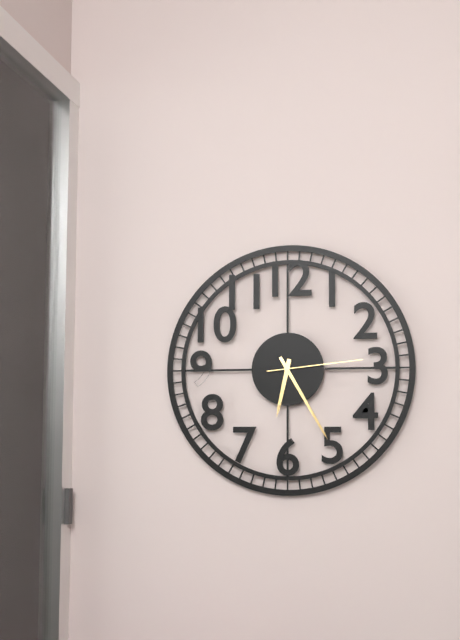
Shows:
{"hour": 6, "minute": 25, "second": 14}
